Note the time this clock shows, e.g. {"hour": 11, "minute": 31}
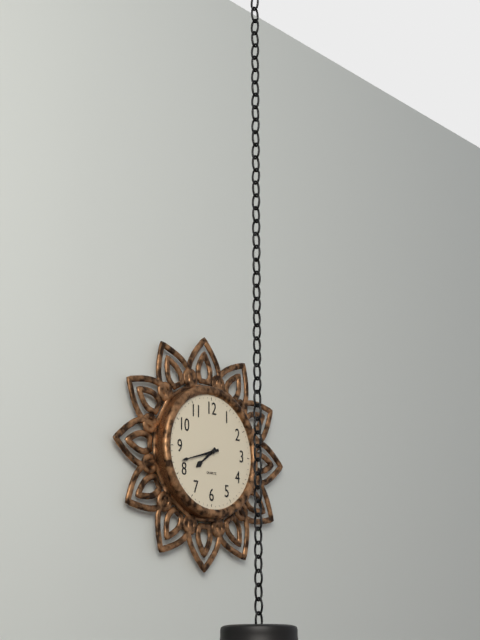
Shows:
{"hour": 7, "minute": 42}
